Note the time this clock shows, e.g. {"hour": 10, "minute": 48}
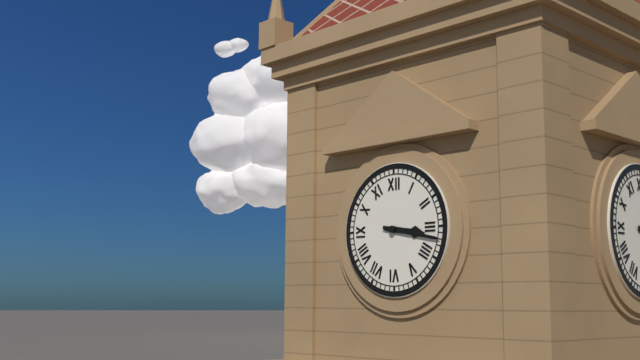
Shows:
{"hour": 3, "minute": 17}
